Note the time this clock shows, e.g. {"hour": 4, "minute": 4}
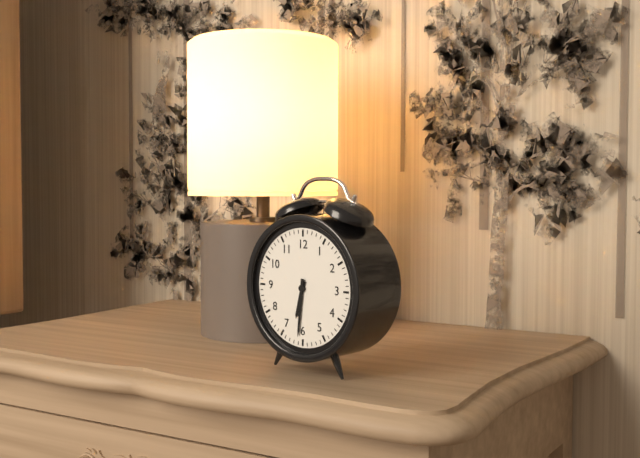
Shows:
{"hour": 6, "minute": 31}
